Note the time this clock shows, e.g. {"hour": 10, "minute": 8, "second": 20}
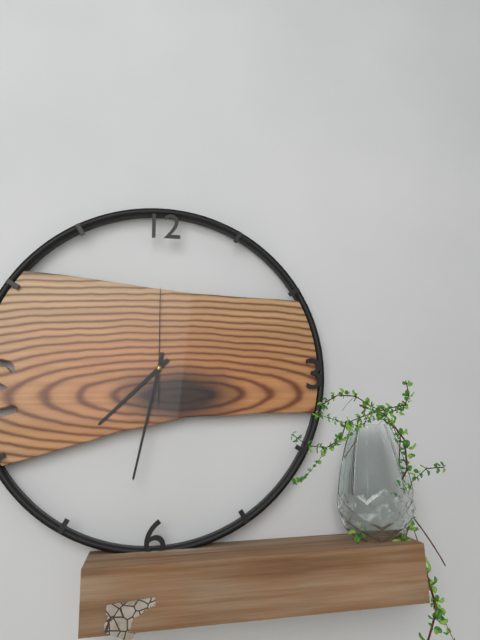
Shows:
{"hour": 7, "minute": 32, "second": 0}
